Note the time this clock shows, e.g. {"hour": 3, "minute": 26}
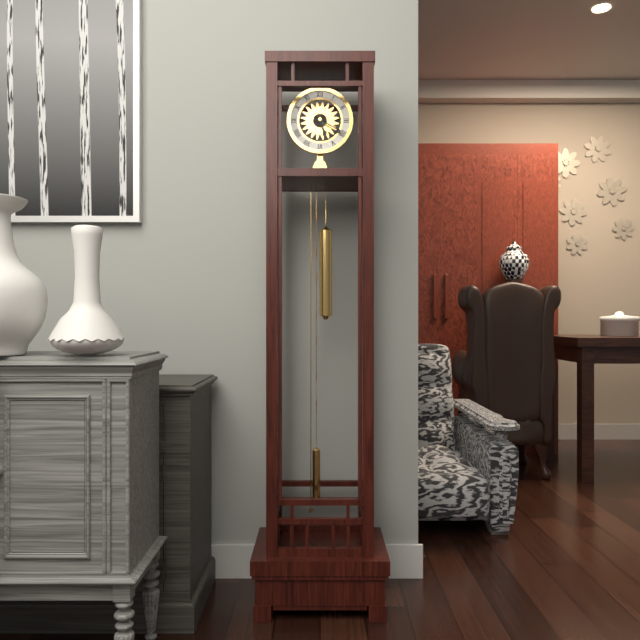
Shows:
{"hour": 5, "minute": 20}
